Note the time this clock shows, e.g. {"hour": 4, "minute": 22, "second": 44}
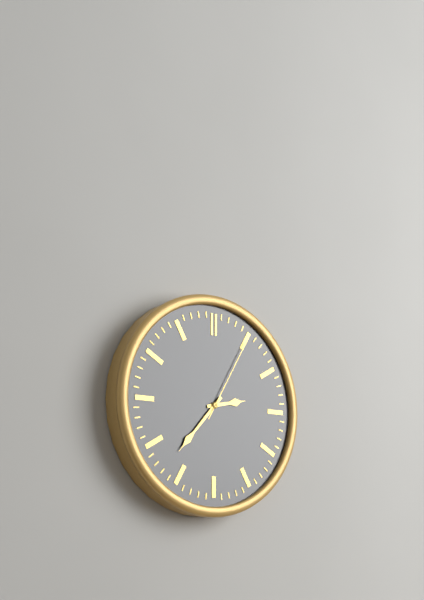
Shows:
{"hour": 2, "minute": 37, "second": 5}
